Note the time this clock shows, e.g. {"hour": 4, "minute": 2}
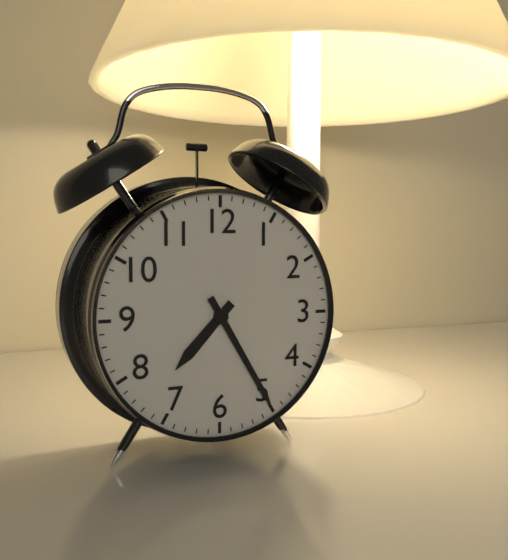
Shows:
{"hour": 7, "minute": 25}
